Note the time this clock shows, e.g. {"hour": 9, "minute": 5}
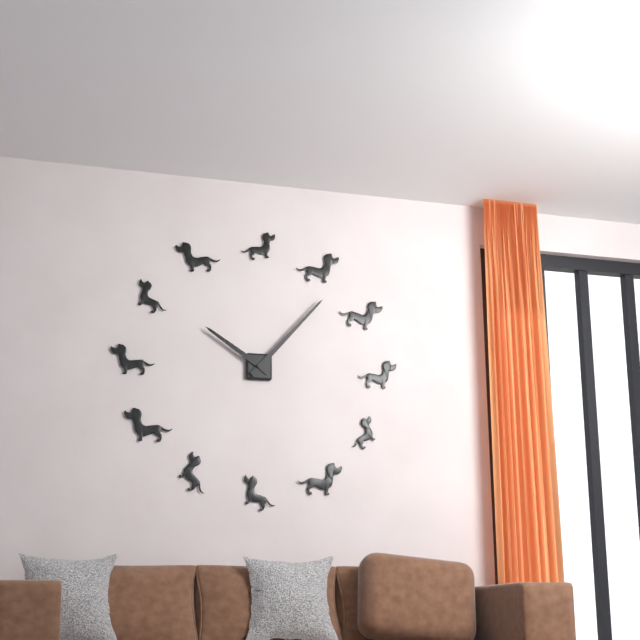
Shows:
{"hour": 10, "minute": 7}
